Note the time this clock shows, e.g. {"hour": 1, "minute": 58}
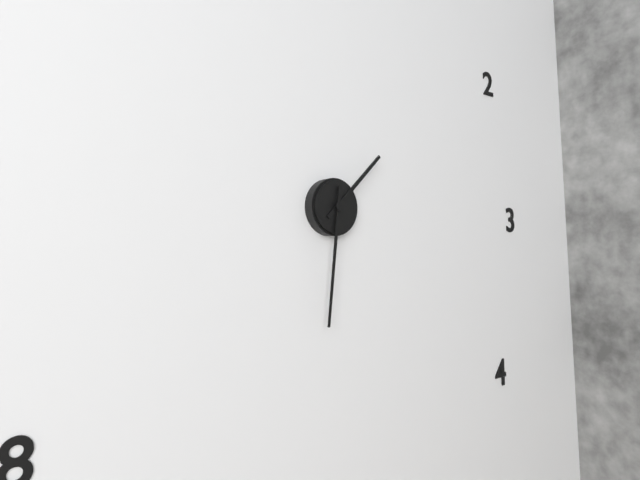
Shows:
{"hour": 1, "minute": 31}
